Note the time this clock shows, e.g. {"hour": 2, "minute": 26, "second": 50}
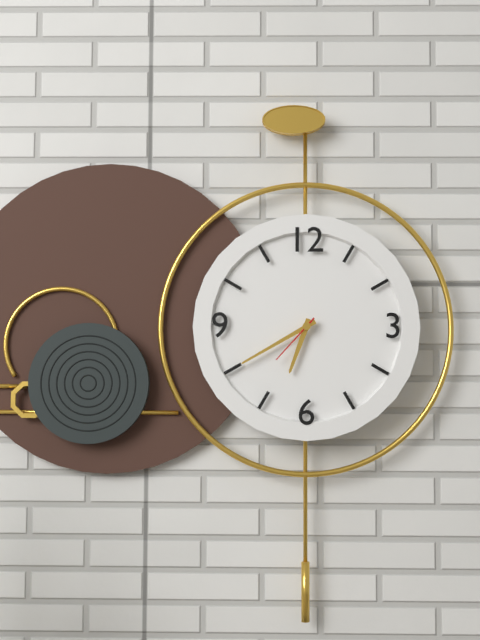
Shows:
{"hour": 6, "minute": 40, "second": 37}
